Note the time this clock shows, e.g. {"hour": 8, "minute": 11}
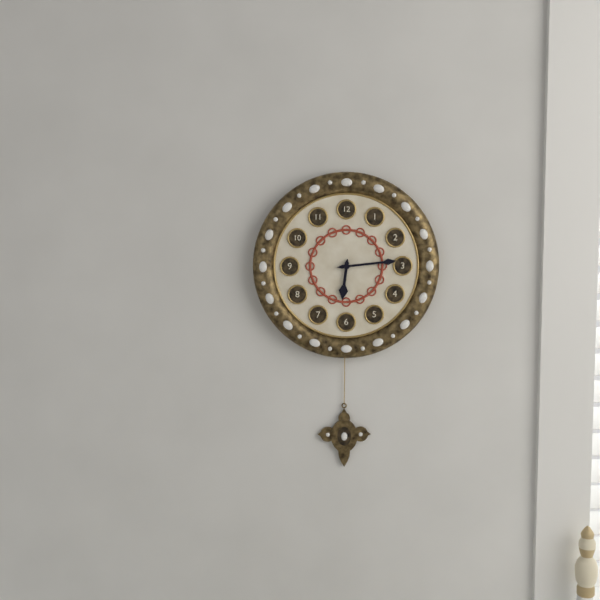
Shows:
{"hour": 6, "minute": 14}
